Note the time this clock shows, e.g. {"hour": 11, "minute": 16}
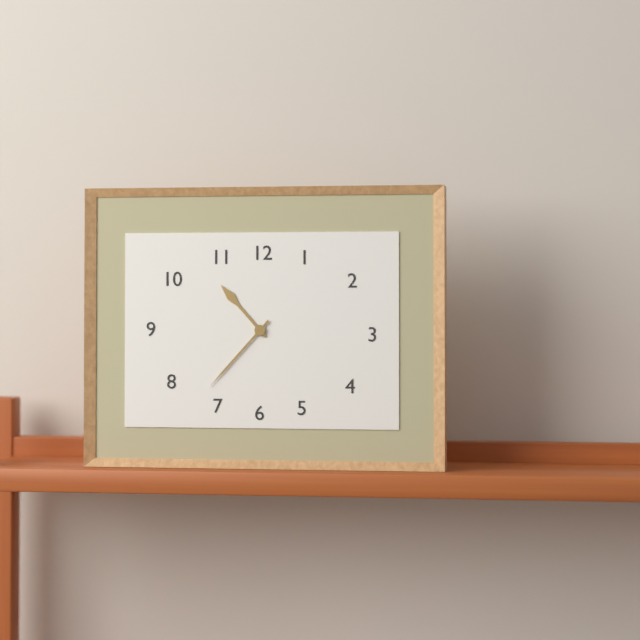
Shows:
{"hour": 10, "minute": 37}
